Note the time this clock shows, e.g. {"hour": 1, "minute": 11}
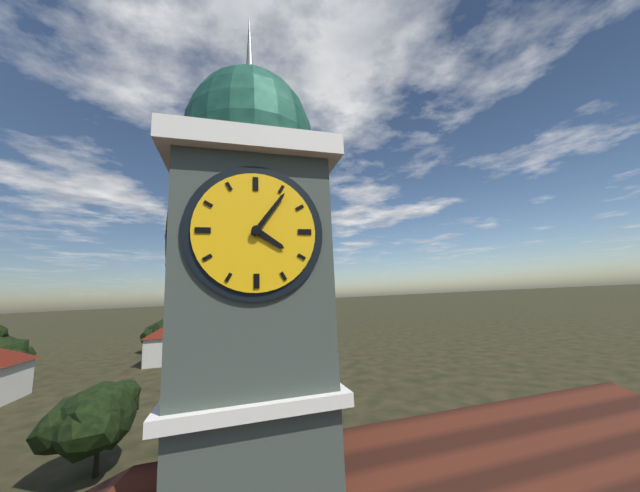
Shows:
{"hour": 4, "minute": 6}
